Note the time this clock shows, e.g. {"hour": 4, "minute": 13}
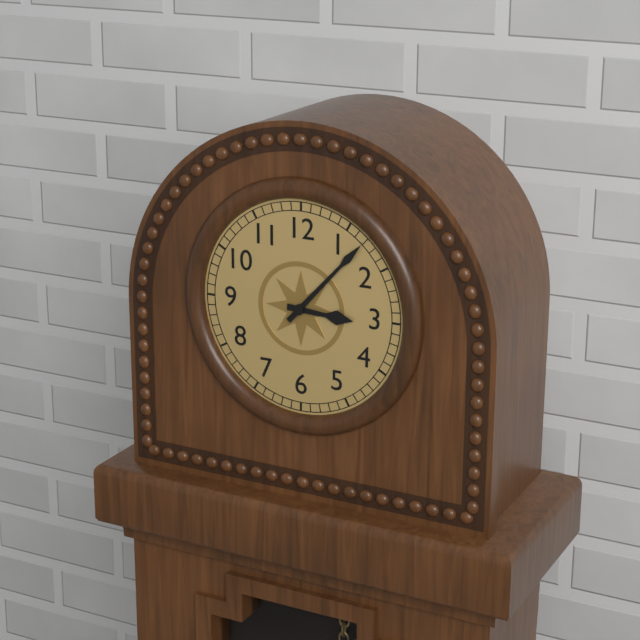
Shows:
{"hour": 3, "minute": 7}
